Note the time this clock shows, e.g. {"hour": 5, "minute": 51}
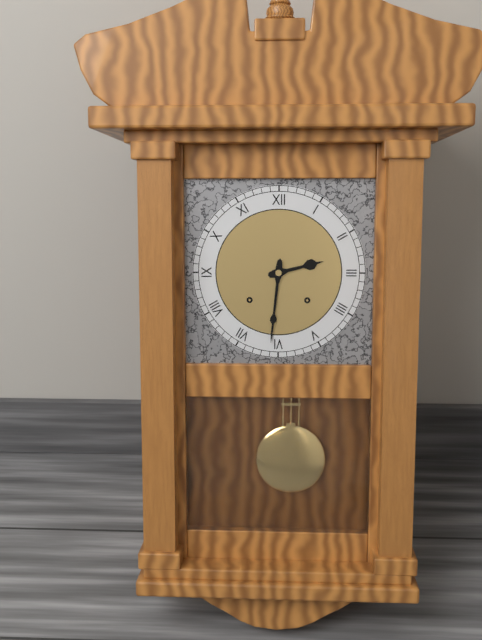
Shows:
{"hour": 2, "minute": 31}
